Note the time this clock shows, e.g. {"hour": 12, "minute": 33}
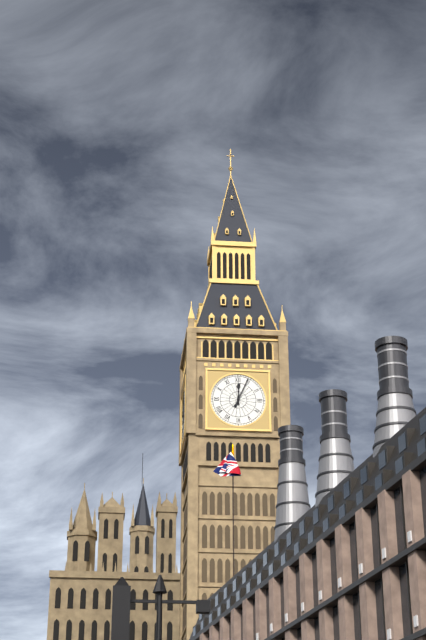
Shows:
{"hour": 12, "minute": 4}
